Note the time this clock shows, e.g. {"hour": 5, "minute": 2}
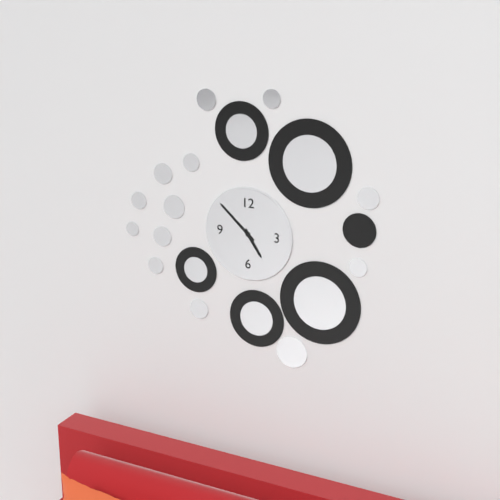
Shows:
{"hour": 4, "minute": 52}
